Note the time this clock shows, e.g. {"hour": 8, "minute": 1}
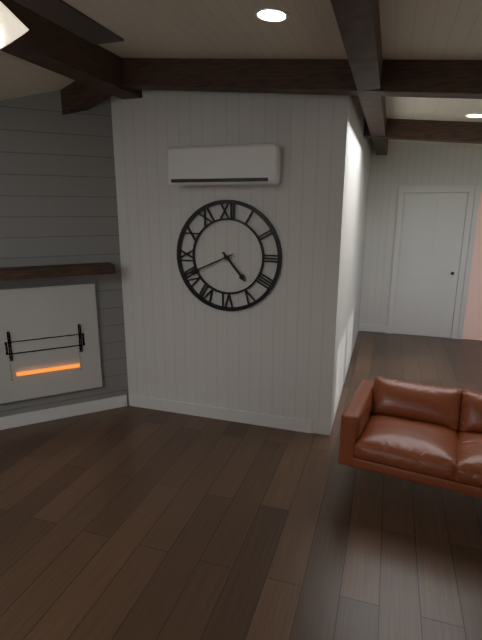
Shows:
{"hour": 4, "minute": 41}
